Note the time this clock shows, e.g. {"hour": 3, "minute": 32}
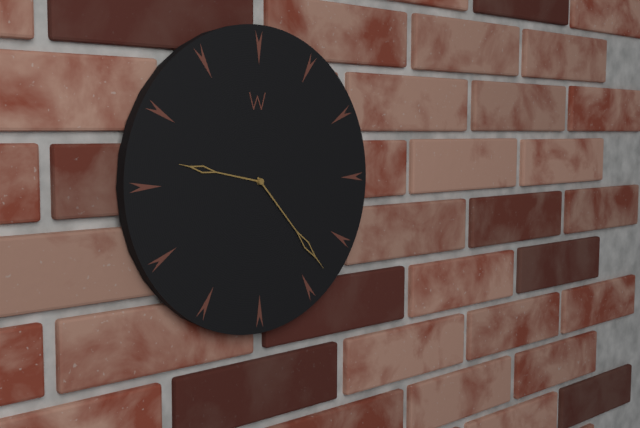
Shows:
{"hour": 9, "minute": 23}
